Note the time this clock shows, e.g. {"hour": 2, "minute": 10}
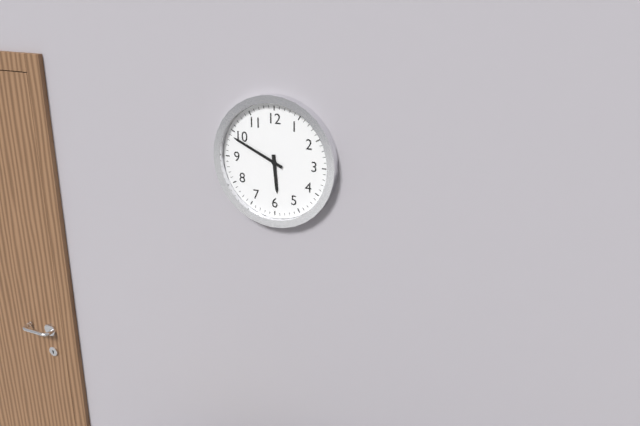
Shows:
{"hour": 5, "minute": 49}
